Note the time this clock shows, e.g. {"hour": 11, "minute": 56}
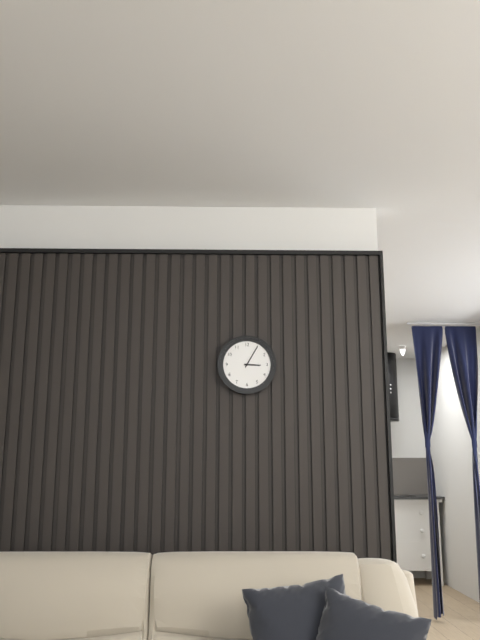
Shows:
{"hour": 3, "minute": 5}
